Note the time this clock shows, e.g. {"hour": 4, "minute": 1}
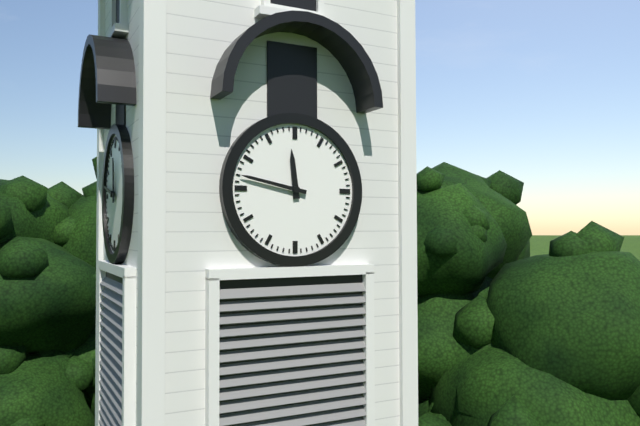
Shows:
{"hour": 11, "minute": 47}
